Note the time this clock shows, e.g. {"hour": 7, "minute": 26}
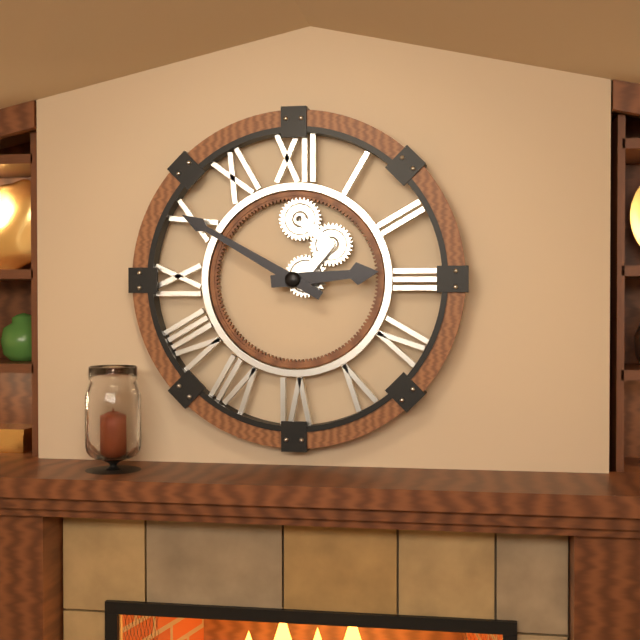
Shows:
{"hour": 2, "minute": 50}
